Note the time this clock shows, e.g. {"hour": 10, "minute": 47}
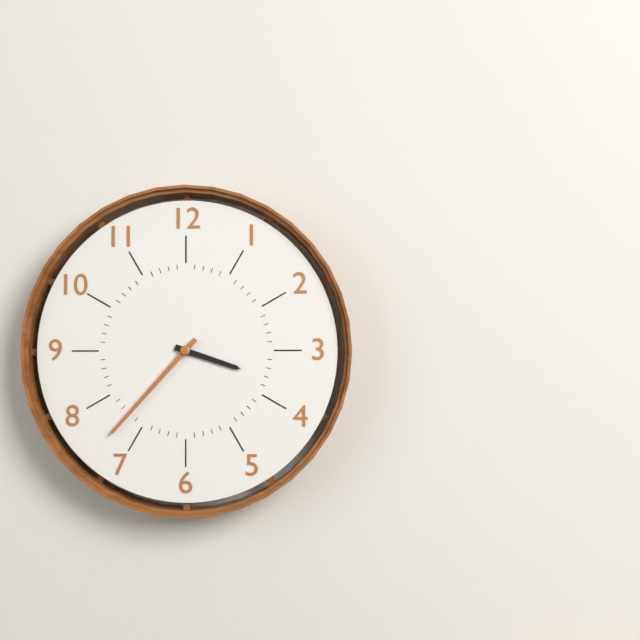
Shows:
{"hour": 3, "minute": 37}
